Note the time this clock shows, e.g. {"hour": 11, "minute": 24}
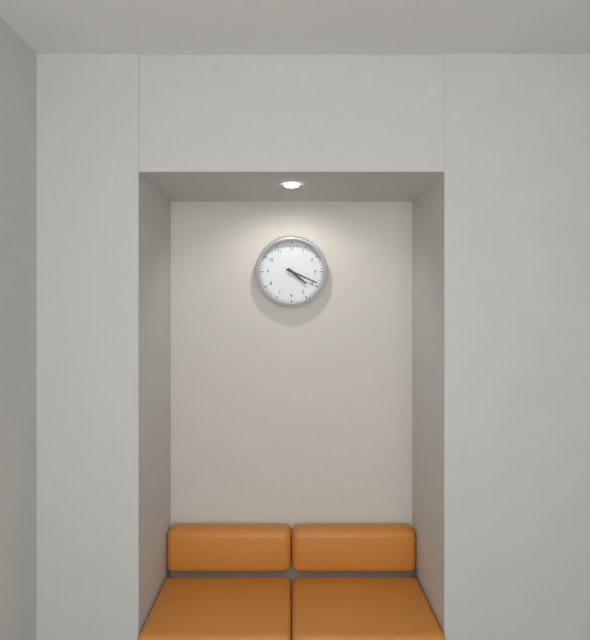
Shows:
{"hour": 4, "minute": 19}
